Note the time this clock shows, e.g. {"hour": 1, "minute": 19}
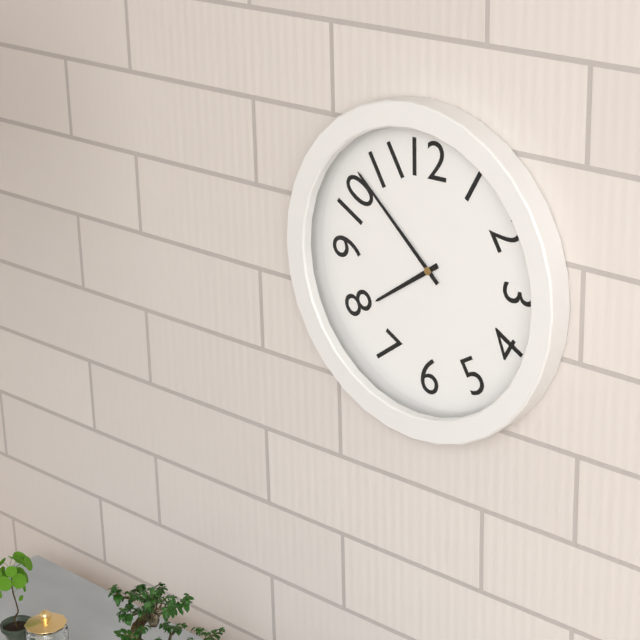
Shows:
{"hour": 7, "minute": 52}
